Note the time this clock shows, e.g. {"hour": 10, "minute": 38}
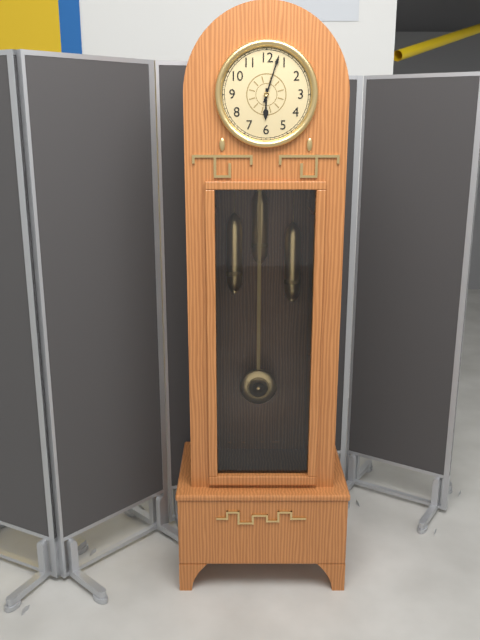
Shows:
{"hour": 6, "minute": 3}
